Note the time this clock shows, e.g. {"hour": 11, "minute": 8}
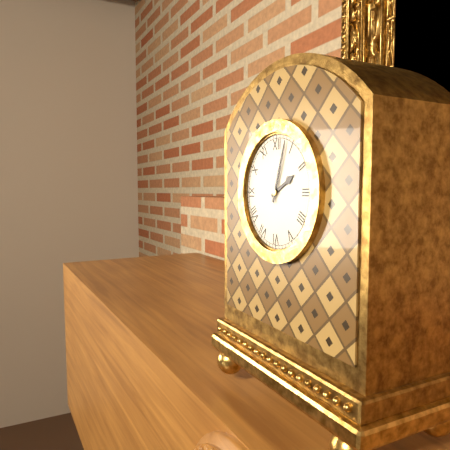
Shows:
{"hour": 2, "minute": 3}
